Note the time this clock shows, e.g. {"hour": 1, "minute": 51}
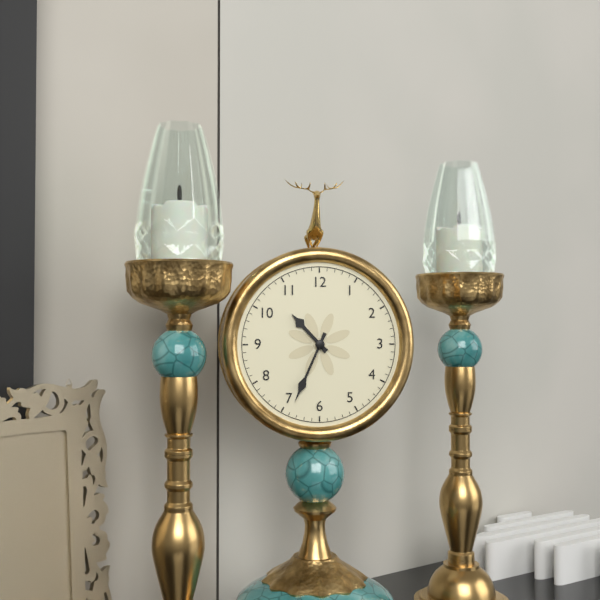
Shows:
{"hour": 10, "minute": 34}
